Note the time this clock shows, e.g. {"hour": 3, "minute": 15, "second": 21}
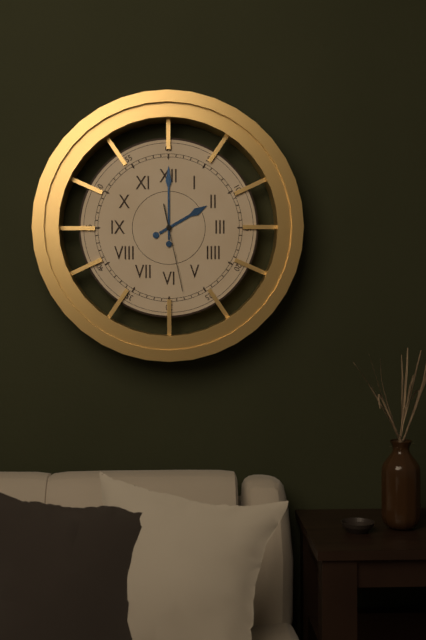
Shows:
{"hour": 2, "minute": 0, "second": 28}
